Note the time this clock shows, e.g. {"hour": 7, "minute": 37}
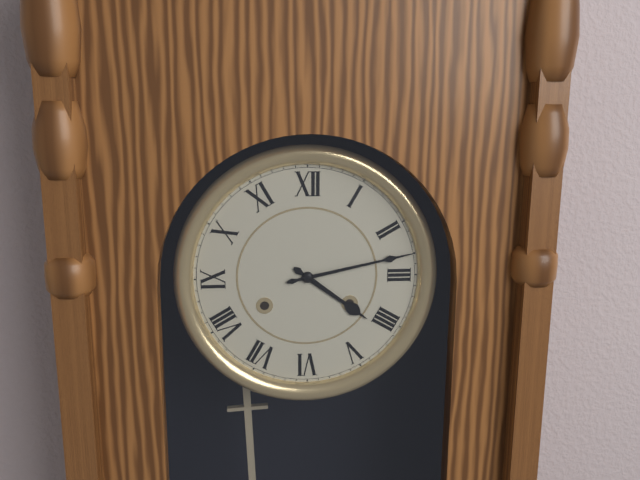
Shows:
{"hour": 4, "minute": 13}
